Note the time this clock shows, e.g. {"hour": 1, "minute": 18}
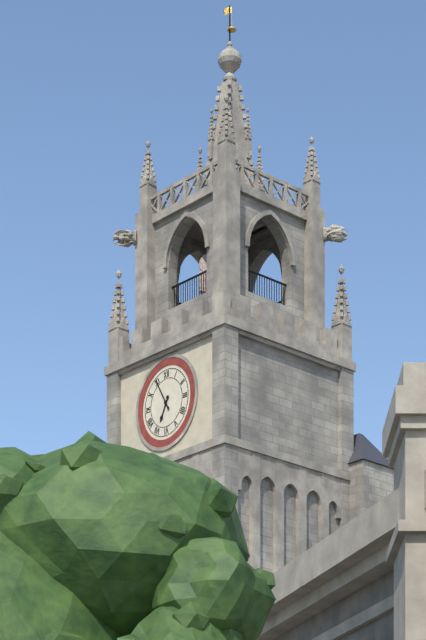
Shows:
{"hour": 6, "minute": 55}
